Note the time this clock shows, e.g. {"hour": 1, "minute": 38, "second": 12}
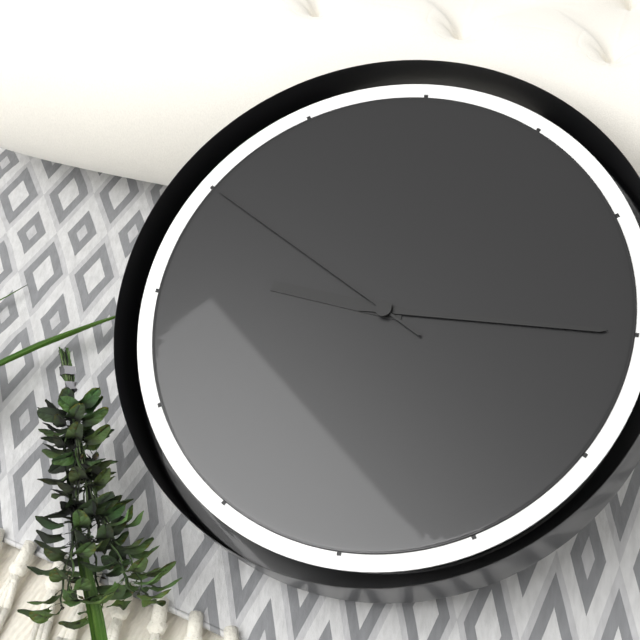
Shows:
{"hour": 9, "minute": 15, "second": 50}
